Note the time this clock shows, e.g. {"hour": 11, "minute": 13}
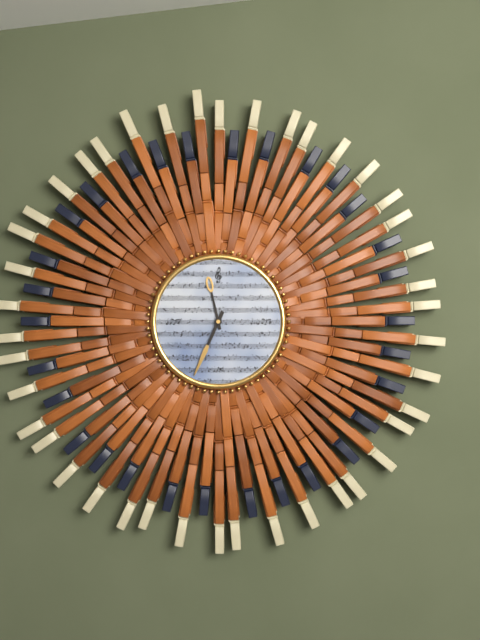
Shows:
{"hour": 11, "minute": 34}
